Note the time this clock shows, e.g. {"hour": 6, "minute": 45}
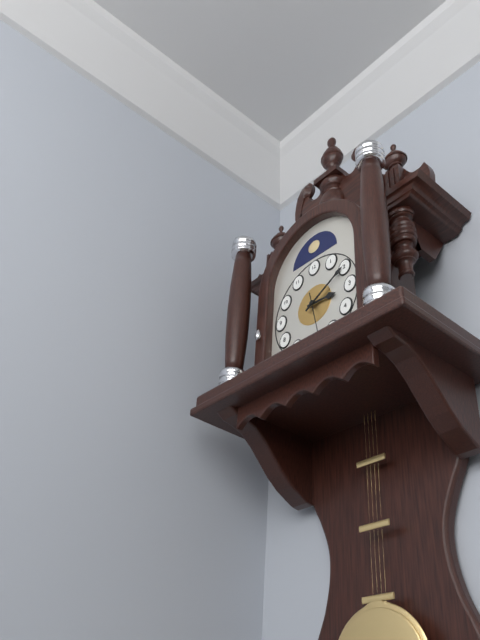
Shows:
{"hour": 3, "minute": 10}
